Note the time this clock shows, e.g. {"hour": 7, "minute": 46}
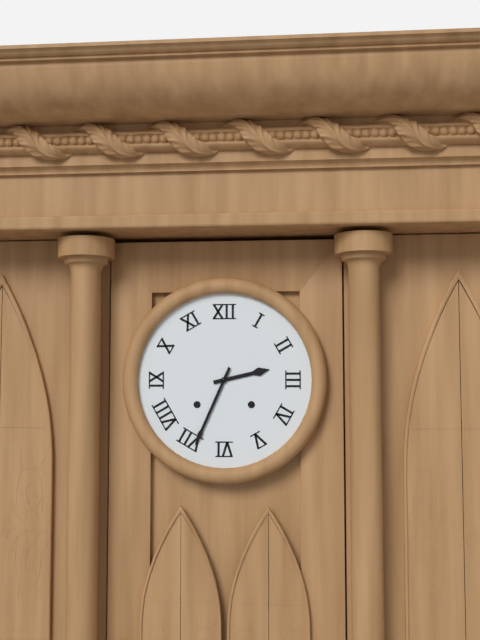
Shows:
{"hour": 2, "minute": 34}
